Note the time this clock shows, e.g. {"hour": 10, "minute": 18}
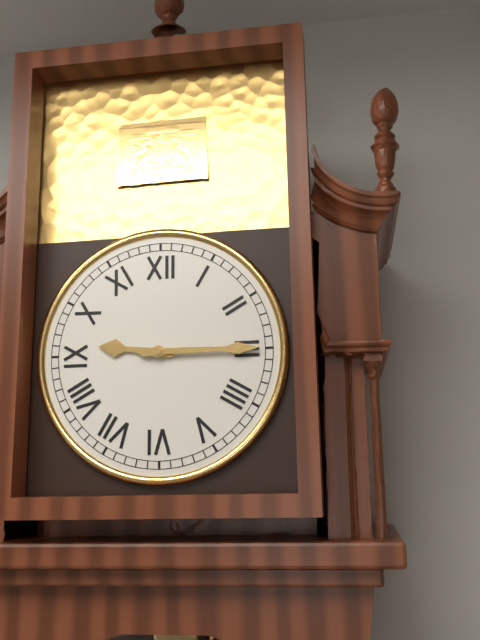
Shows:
{"hour": 9, "minute": 15}
